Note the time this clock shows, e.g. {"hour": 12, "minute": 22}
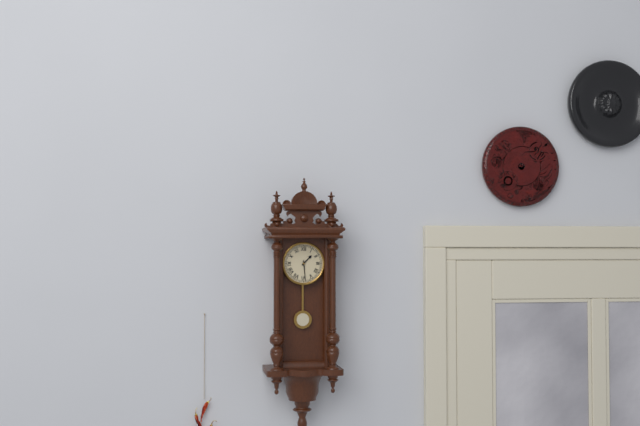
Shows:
{"hour": 1, "minute": 29}
